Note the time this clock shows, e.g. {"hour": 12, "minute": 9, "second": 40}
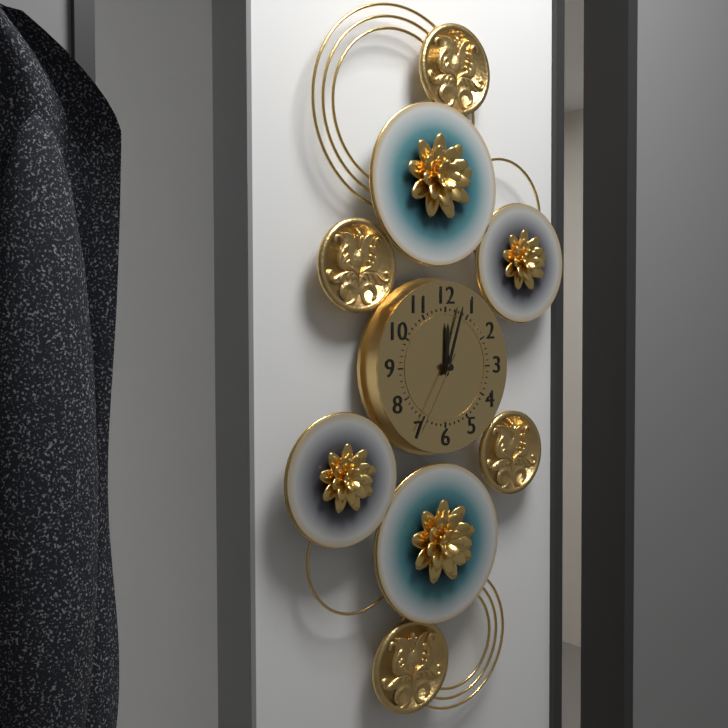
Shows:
{"hour": 12, "minute": 3, "second": 35}
